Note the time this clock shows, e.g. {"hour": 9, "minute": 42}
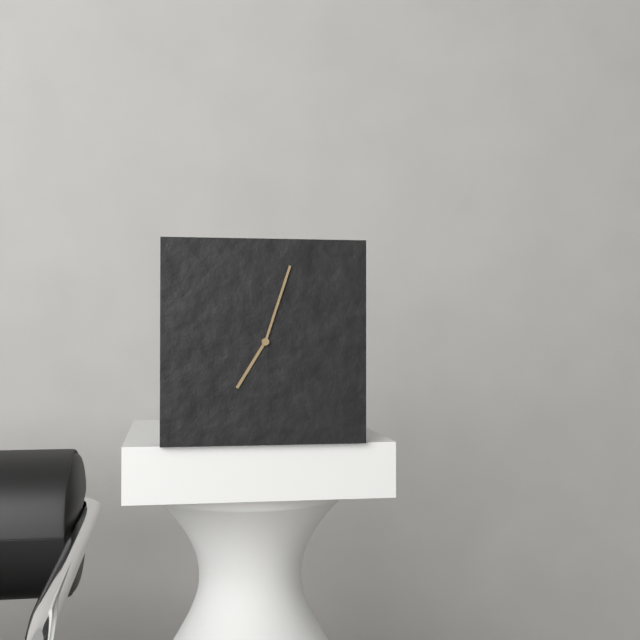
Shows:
{"hour": 7, "minute": 3}
